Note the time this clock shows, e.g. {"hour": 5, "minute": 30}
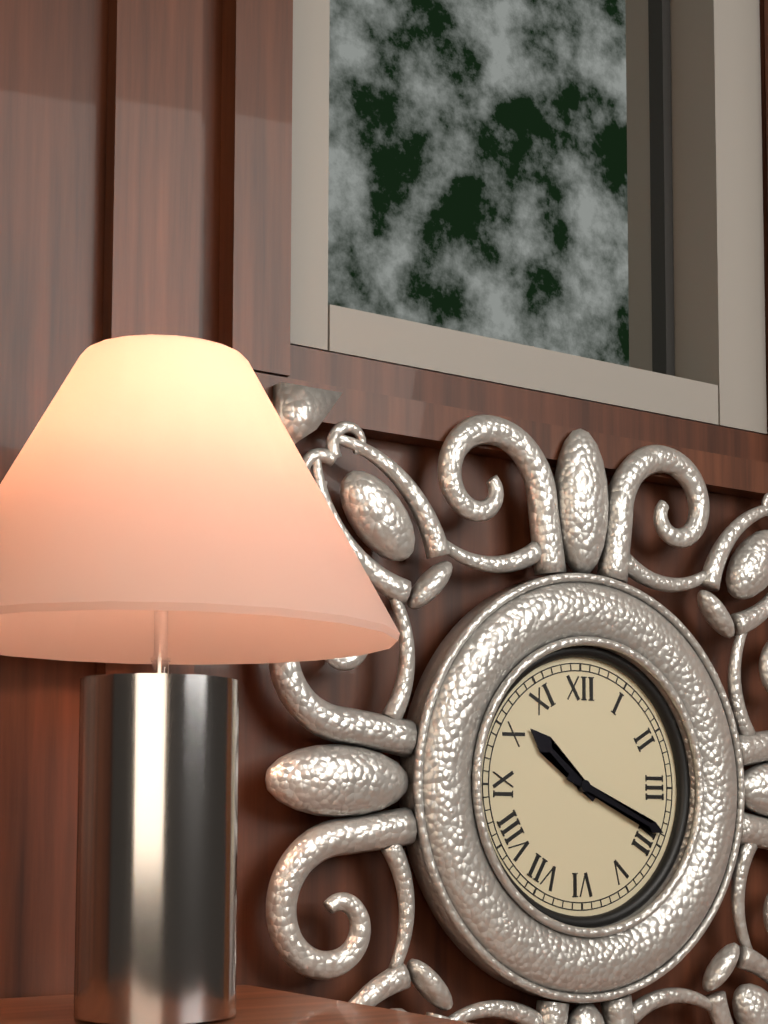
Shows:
{"hour": 10, "minute": 19}
